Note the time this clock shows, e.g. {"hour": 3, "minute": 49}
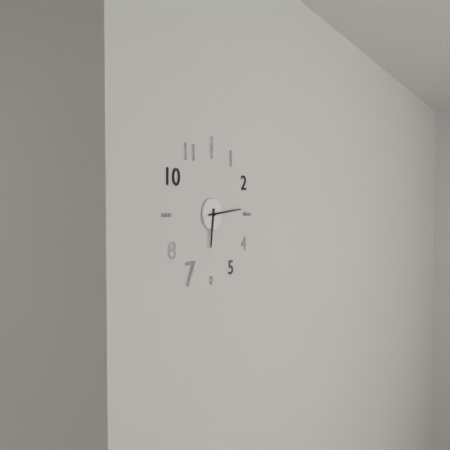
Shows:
{"hour": 6, "minute": 14}
